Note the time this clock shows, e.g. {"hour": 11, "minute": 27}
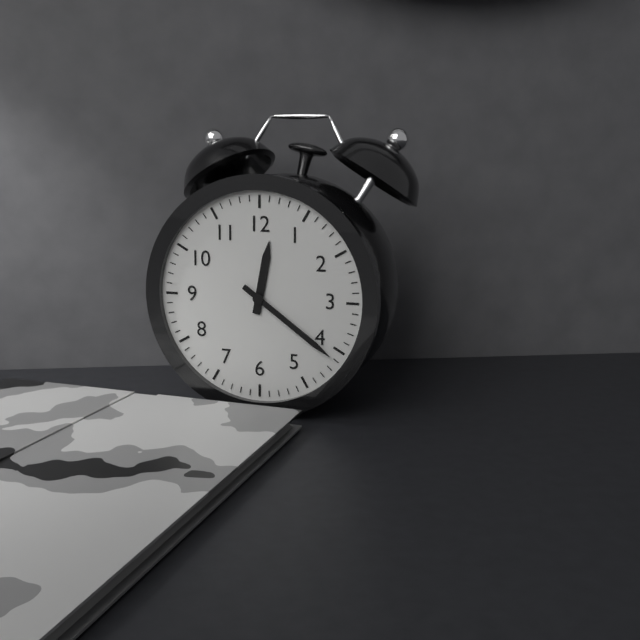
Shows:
{"hour": 12, "minute": 21}
